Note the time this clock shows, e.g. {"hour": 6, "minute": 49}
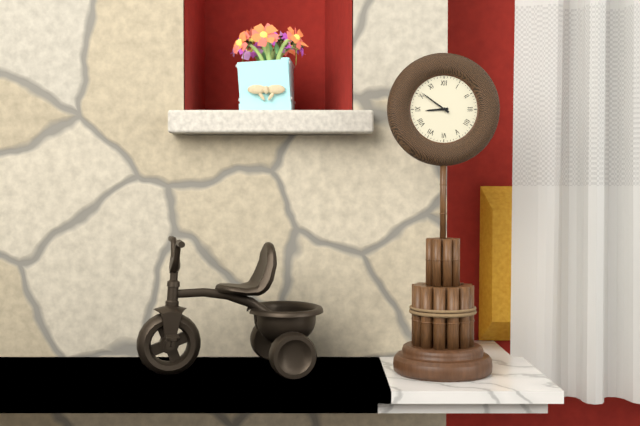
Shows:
{"hour": 8, "minute": 51}
